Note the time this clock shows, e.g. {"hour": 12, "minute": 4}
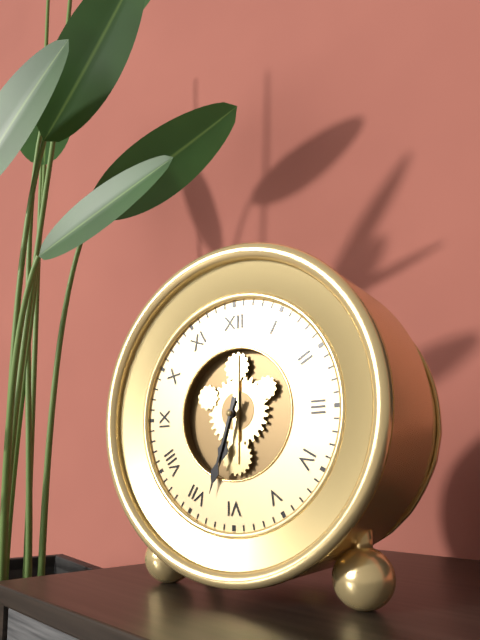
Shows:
{"hour": 6, "minute": 33}
